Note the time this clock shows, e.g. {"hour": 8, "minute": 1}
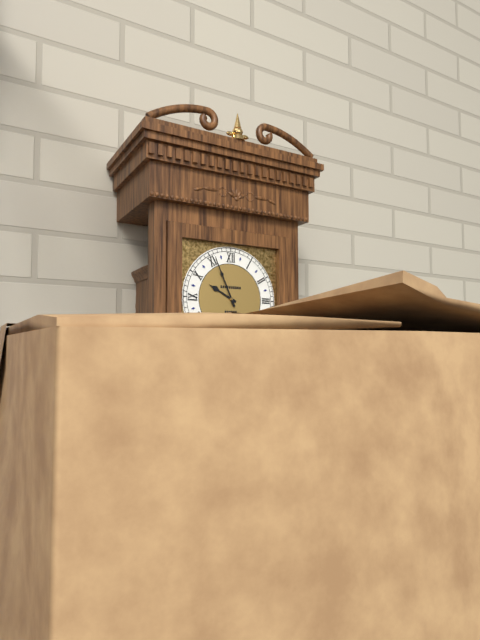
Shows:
{"hour": 9, "minute": 56}
